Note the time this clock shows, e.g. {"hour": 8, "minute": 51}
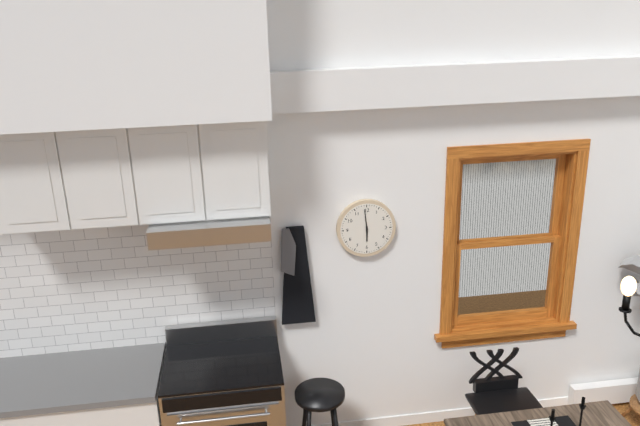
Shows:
{"hour": 5, "minute": 59}
